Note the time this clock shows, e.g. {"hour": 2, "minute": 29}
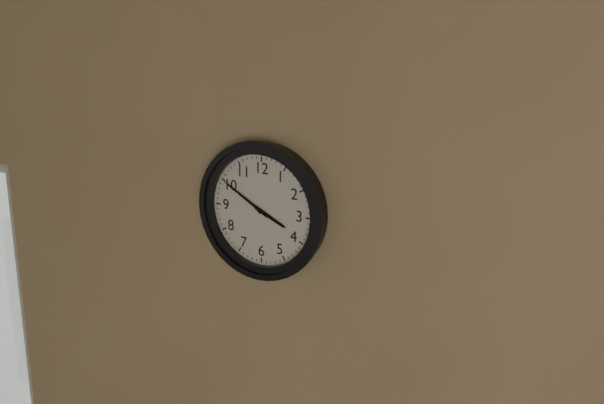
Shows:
{"hour": 3, "minute": 50}
